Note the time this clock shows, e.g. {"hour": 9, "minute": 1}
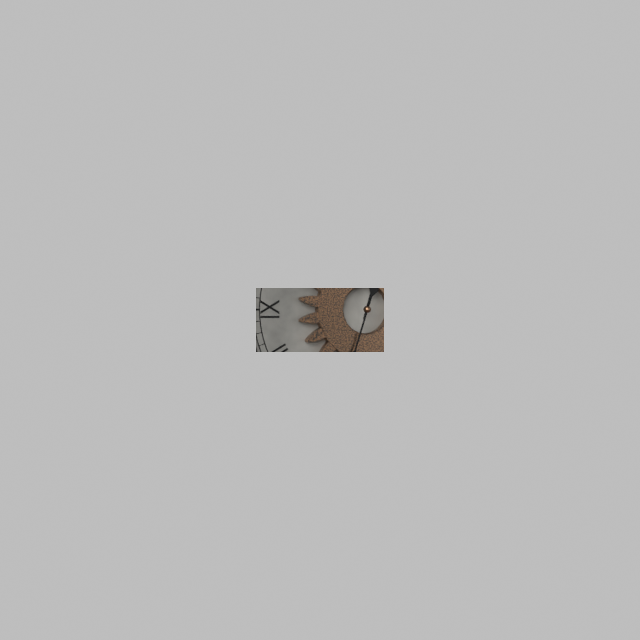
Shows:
{"hour": 12, "minute": 33}
